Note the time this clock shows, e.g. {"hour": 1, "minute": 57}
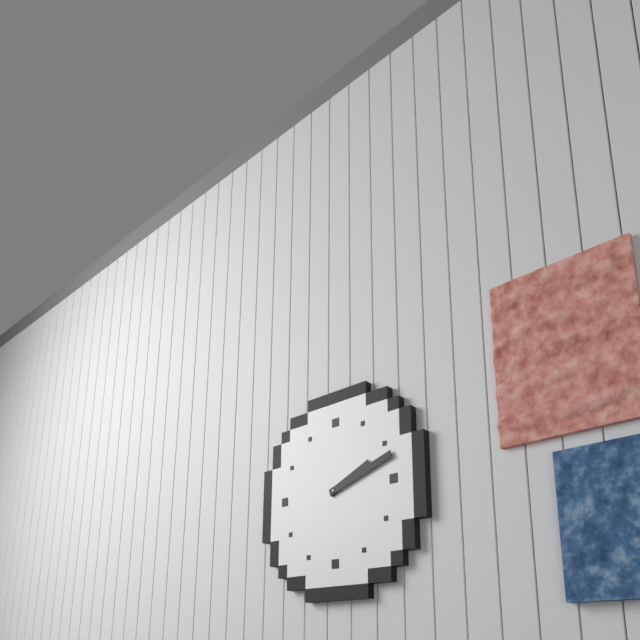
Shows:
{"hour": 2, "minute": 12}
